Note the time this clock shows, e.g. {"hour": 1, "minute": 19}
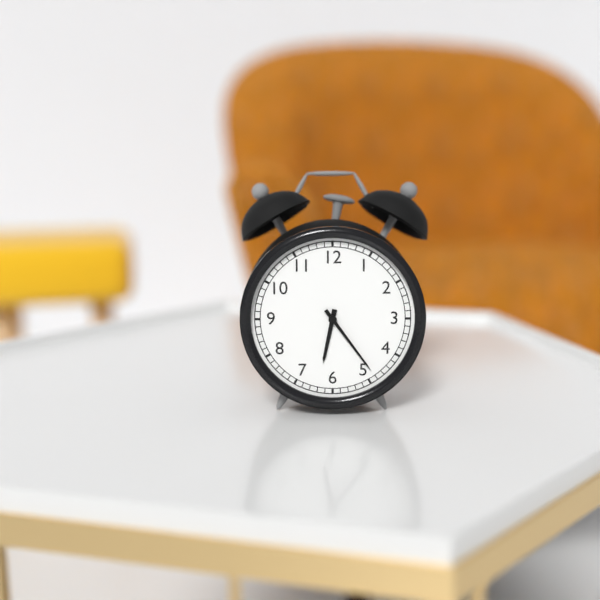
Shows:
{"hour": 6, "minute": 24}
